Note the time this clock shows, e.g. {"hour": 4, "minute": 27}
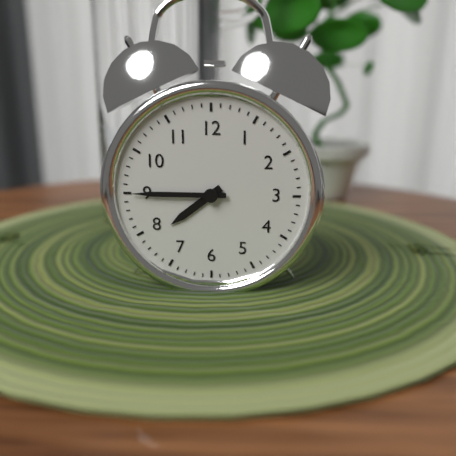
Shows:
{"hour": 7, "minute": 45}
